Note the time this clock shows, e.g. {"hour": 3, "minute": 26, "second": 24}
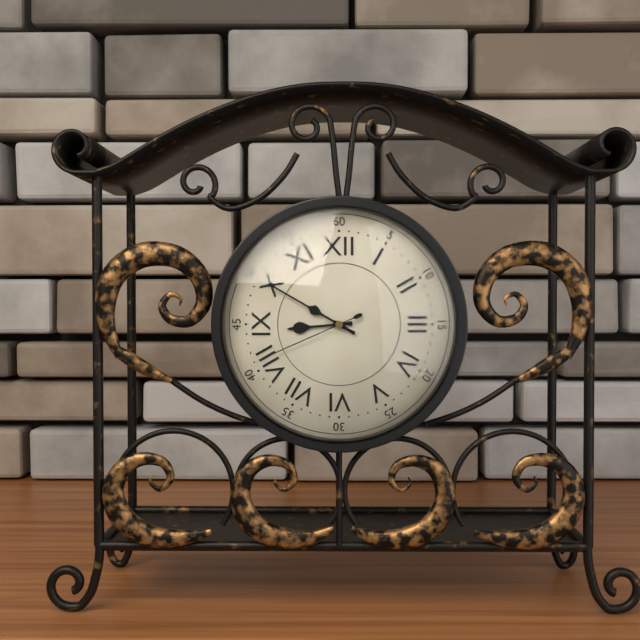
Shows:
{"hour": 8, "minute": 50, "second": 41}
